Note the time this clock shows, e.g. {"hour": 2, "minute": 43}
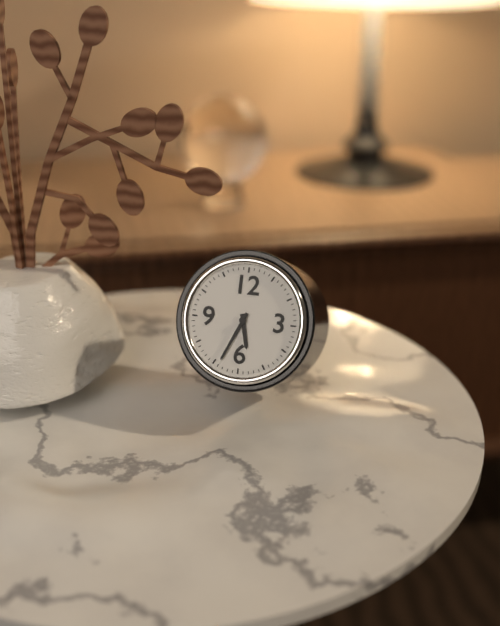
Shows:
{"hour": 5, "minute": 34}
